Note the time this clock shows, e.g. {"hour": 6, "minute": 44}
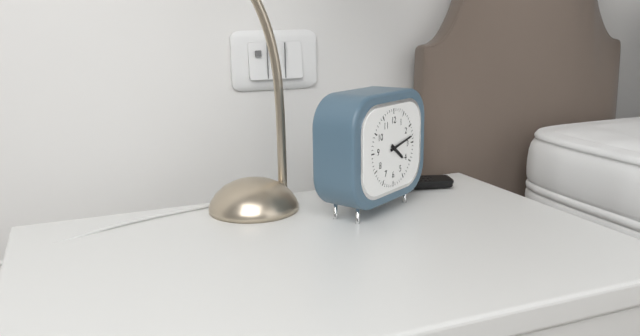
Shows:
{"hour": 4, "minute": 13}
